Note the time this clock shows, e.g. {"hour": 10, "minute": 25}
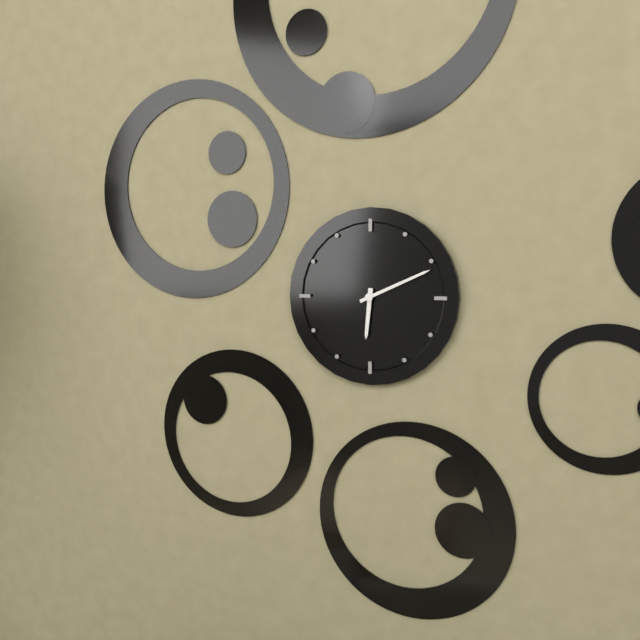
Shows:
{"hour": 6, "minute": 11}
